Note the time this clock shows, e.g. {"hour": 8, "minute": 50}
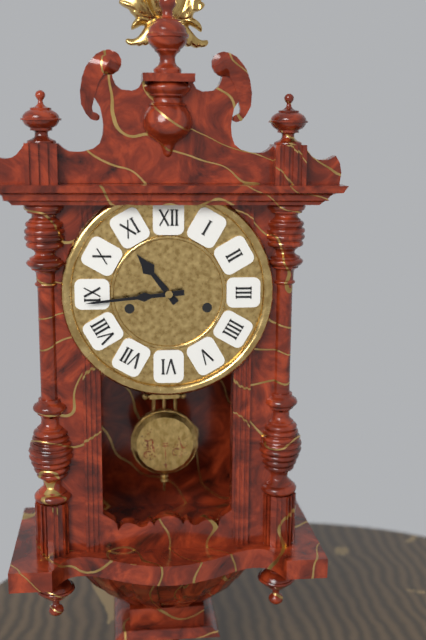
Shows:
{"hour": 10, "minute": 44}
